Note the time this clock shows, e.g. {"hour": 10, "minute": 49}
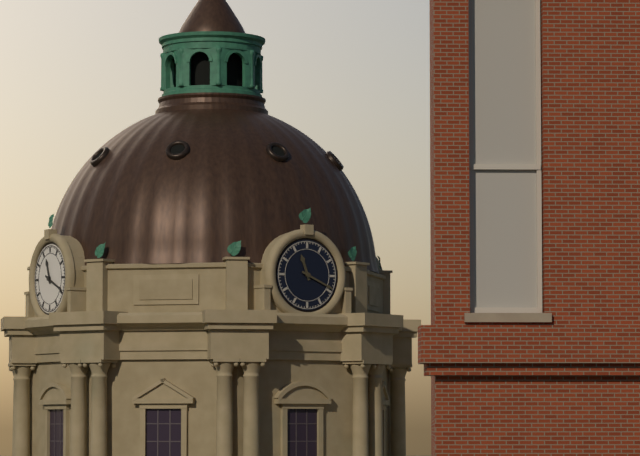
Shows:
{"hour": 11, "minute": 19}
